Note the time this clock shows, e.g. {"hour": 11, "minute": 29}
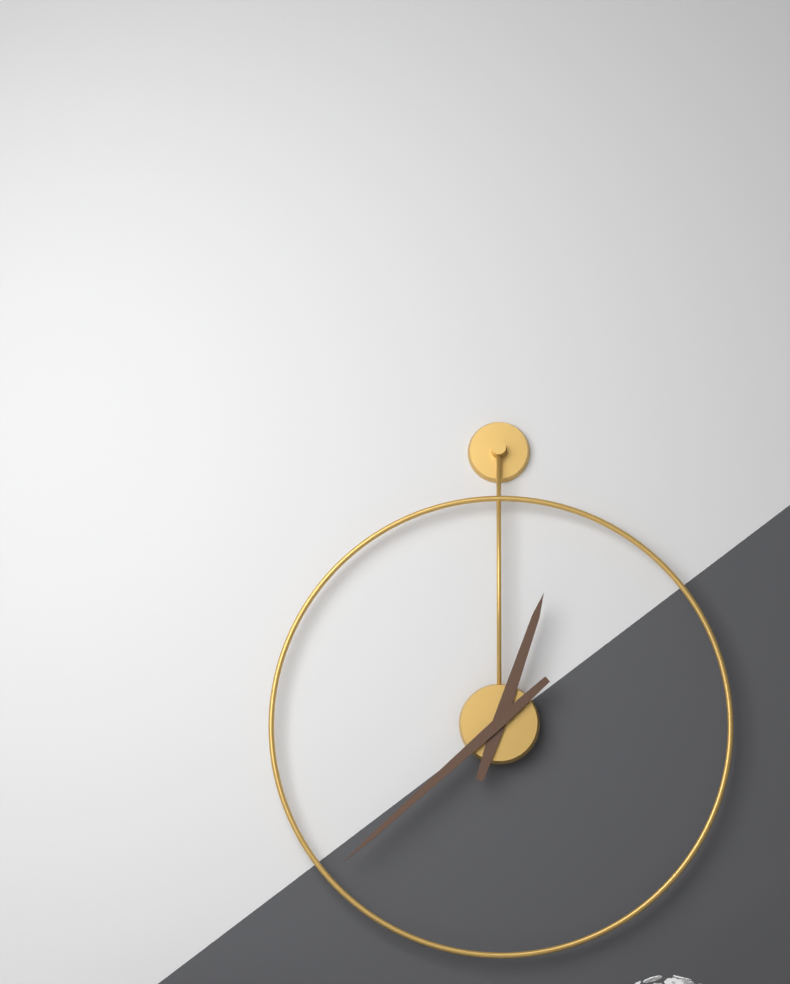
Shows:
{"hour": 12, "minute": 38}
